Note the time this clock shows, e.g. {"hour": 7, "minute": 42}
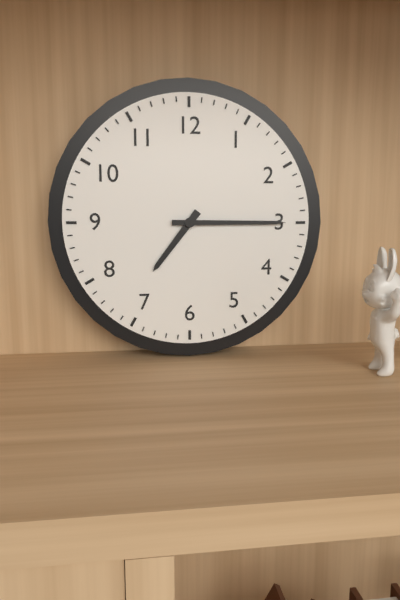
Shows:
{"hour": 7, "minute": 15}
